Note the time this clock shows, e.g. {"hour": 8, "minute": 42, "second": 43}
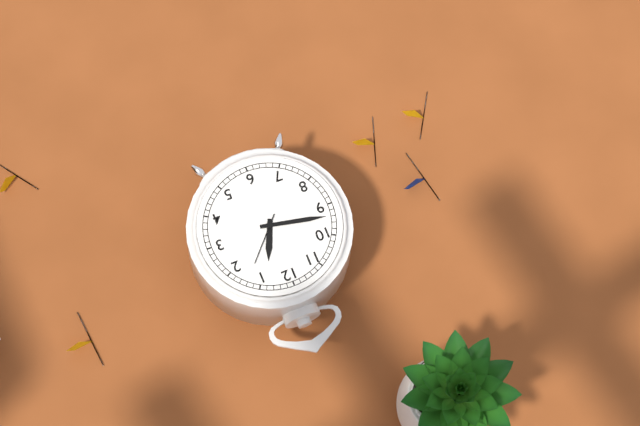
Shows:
{"hour": 12, "minute": 47, "second": 7}
